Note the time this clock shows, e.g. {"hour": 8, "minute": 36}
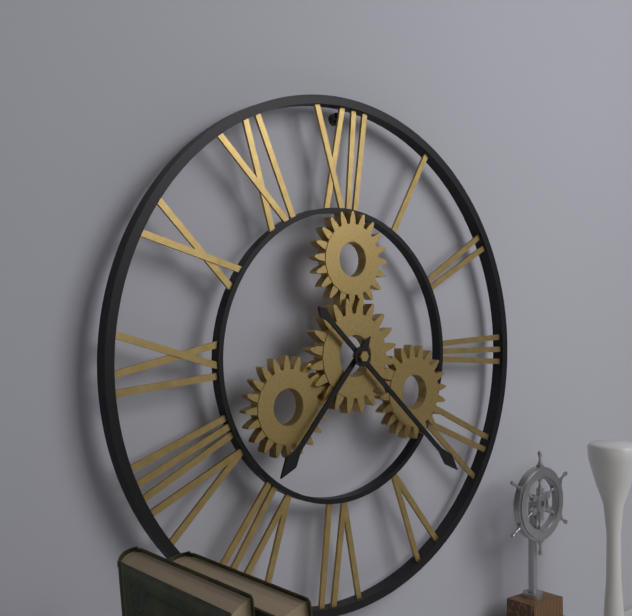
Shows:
{"hour": 7, "minute": 22}
